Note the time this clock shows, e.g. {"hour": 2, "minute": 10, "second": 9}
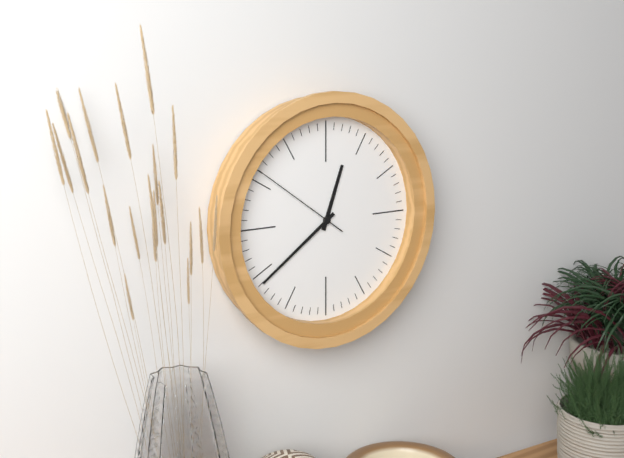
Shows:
{"hour": 12, "minute": 39, "second": 51}
